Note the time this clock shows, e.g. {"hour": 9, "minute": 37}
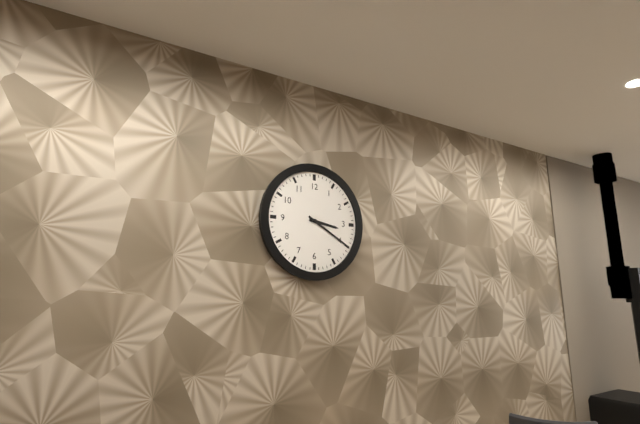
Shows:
{"hour": 3, "minute": 20}
